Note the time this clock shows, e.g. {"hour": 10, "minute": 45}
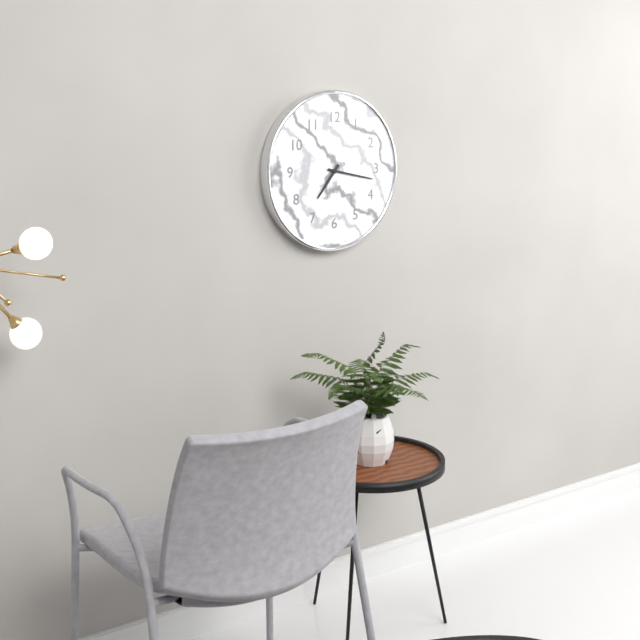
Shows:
{"hour": 7, "minute": 17}
